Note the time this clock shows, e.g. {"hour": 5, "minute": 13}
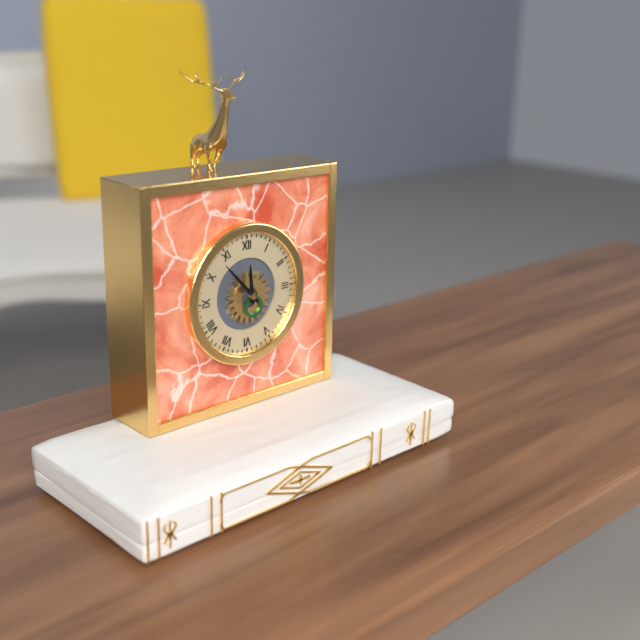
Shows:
{"hour": 11, "minute": 53}
